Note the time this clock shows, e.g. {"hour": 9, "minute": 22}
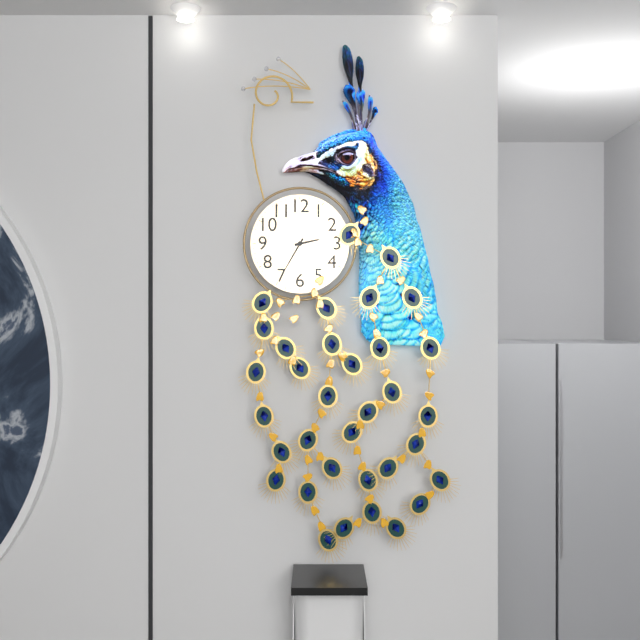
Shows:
{"hour": 2, "minute": 35}
